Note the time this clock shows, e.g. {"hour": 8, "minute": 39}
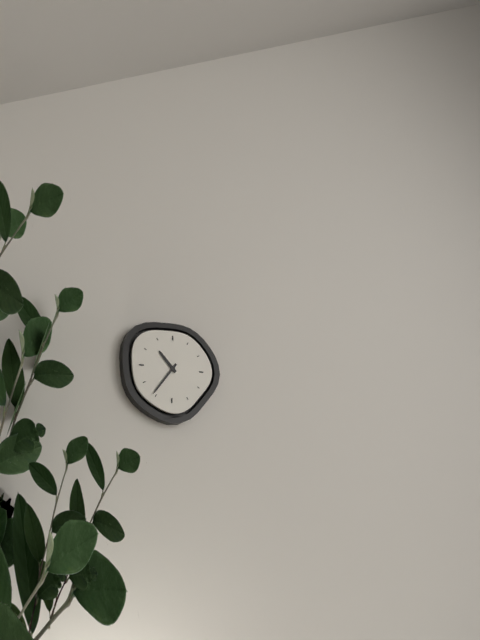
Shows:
{"hour": 10, "minute": 36}
